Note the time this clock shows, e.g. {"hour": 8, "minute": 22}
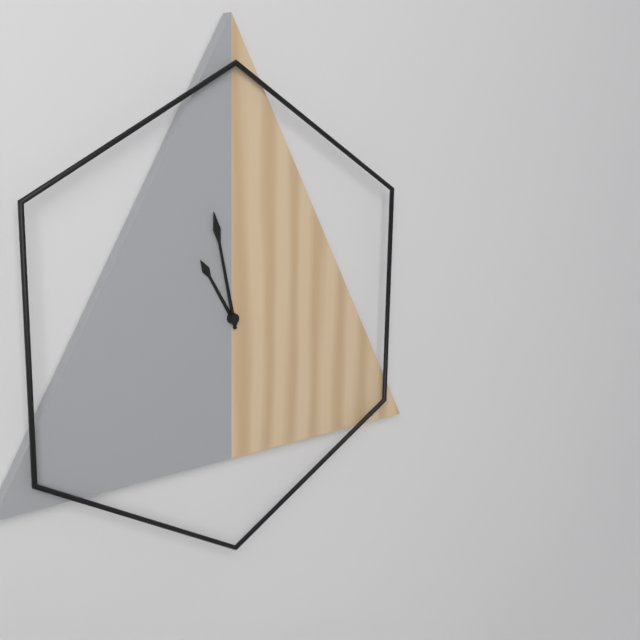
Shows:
{"hour": 10, "minute": 58}
